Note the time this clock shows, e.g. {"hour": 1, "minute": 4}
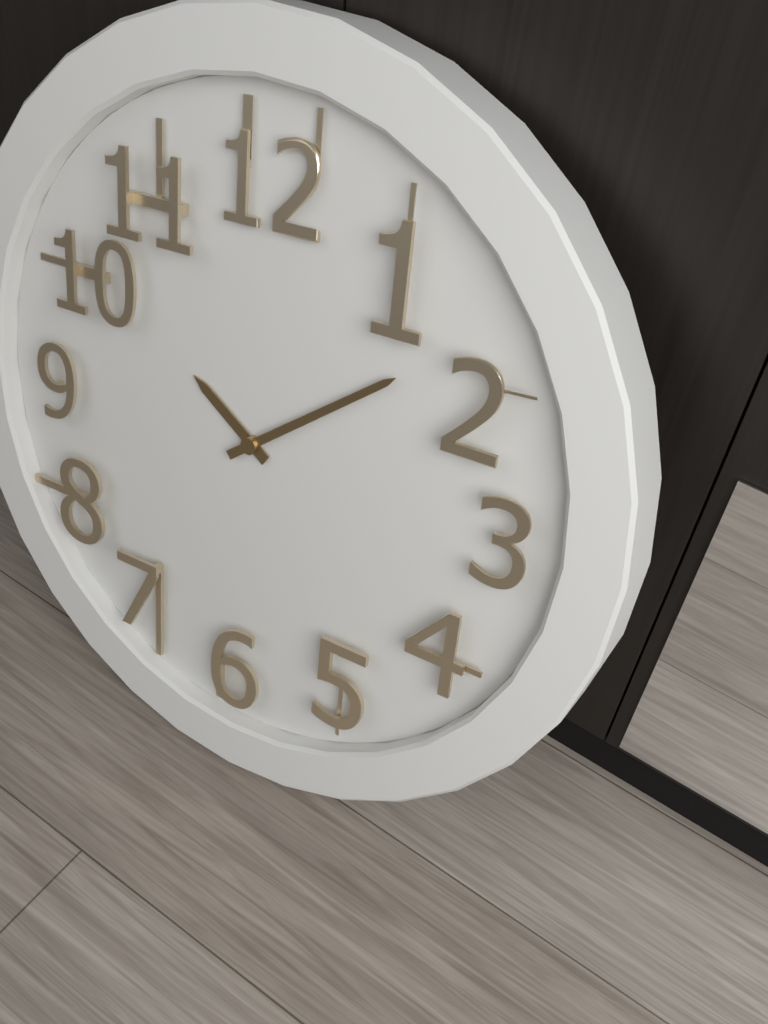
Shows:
{"hour": 10, "minute": 9}
